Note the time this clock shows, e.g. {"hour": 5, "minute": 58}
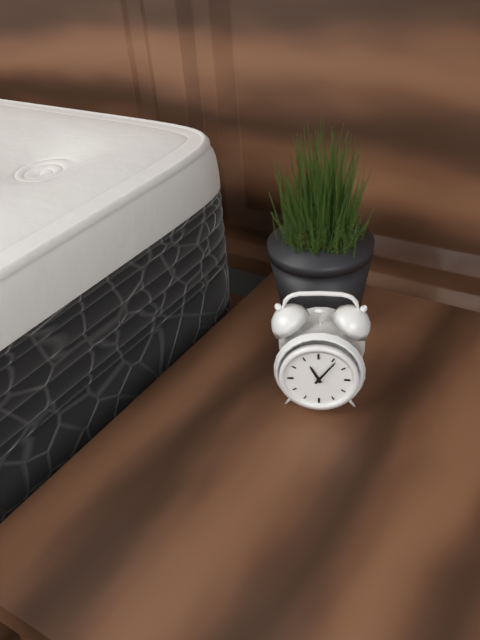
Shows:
{"hour": 11, "minute": 6}
